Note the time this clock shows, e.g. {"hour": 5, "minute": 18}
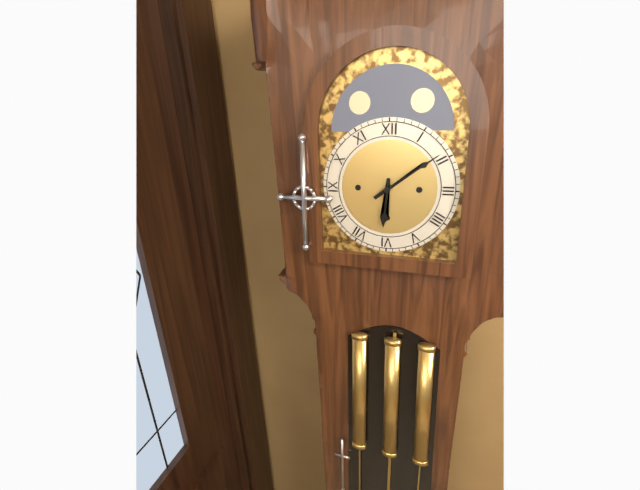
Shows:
{"hour": 6, "minute": 9}
